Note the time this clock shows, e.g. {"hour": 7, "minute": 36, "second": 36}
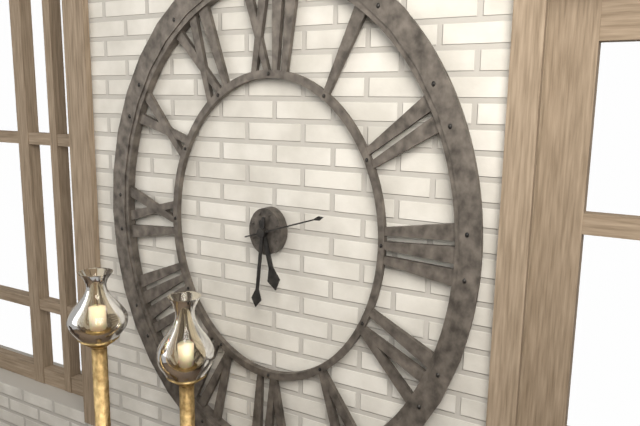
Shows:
{"hour": 5, "minute": 31, "second": 12}
